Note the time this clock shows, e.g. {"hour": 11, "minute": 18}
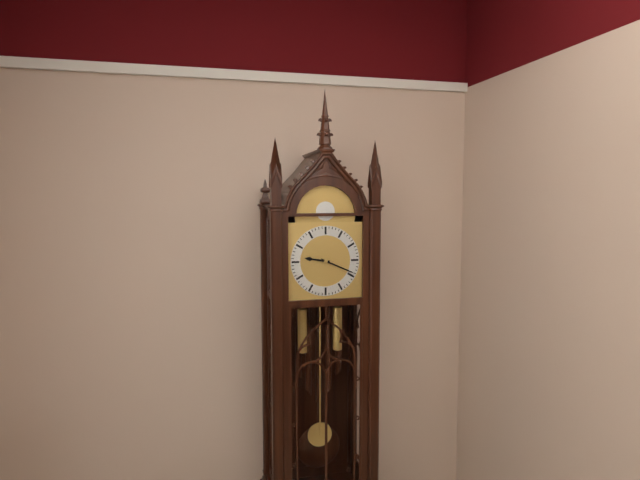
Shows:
{"hour": 9, "minute": 19}
